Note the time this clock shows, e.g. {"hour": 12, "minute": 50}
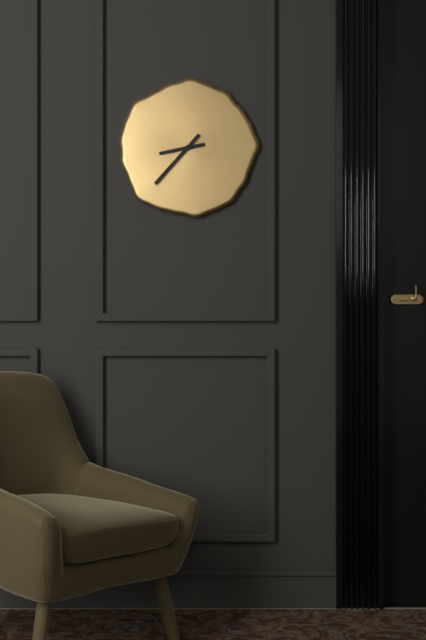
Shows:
{"hour": 8, "minute": 37}
